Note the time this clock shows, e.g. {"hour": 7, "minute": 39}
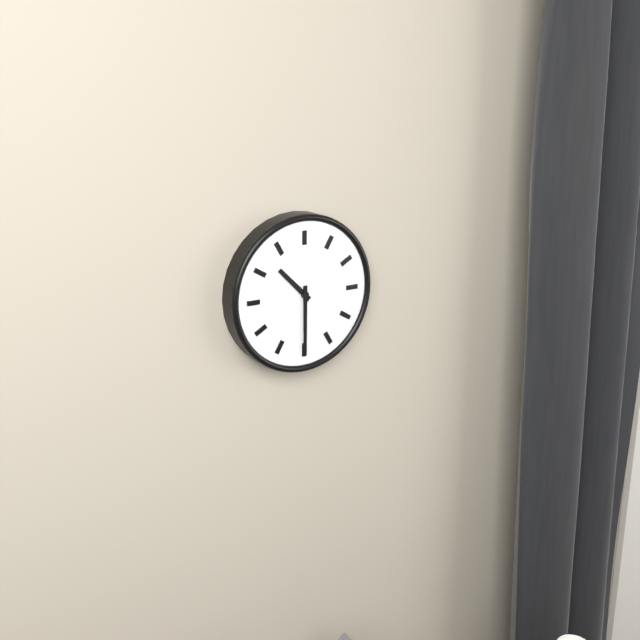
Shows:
{"hour": 10, "minute": 30}
